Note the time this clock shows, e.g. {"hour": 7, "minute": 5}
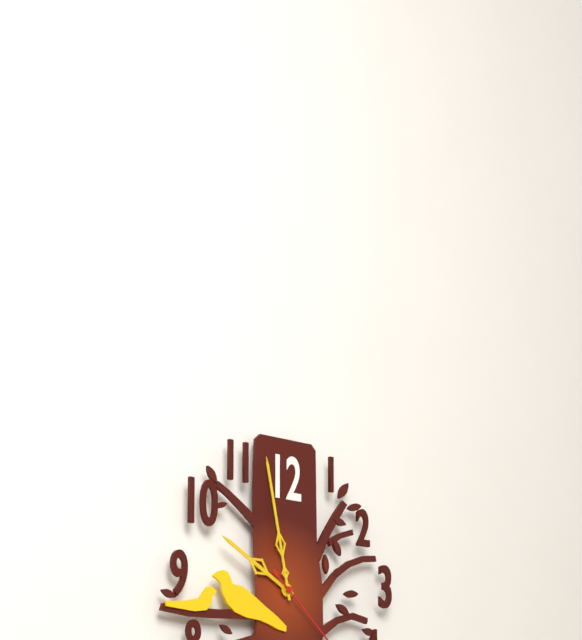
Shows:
{"hour": 9, "minute": 58}
